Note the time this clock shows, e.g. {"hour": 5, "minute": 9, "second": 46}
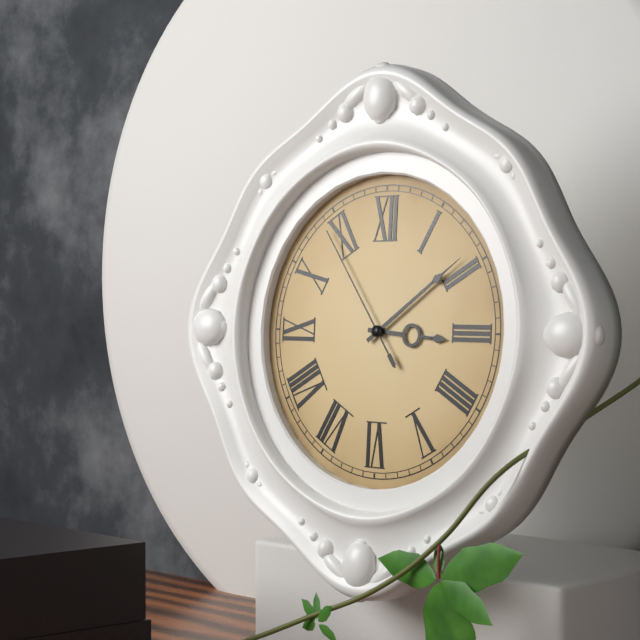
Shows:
{"hour": 3, "minute": 9, "second": 54}
